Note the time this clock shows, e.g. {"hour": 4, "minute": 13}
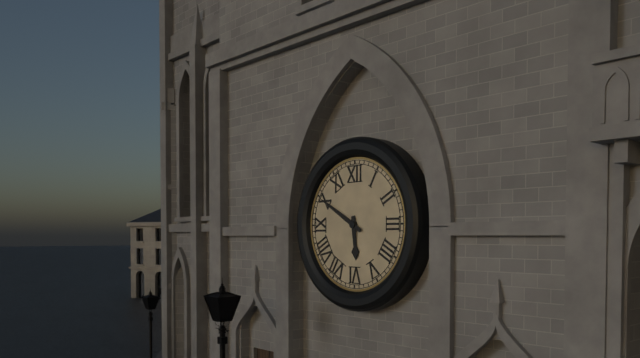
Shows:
{"hour": 5, "minute": 50}
